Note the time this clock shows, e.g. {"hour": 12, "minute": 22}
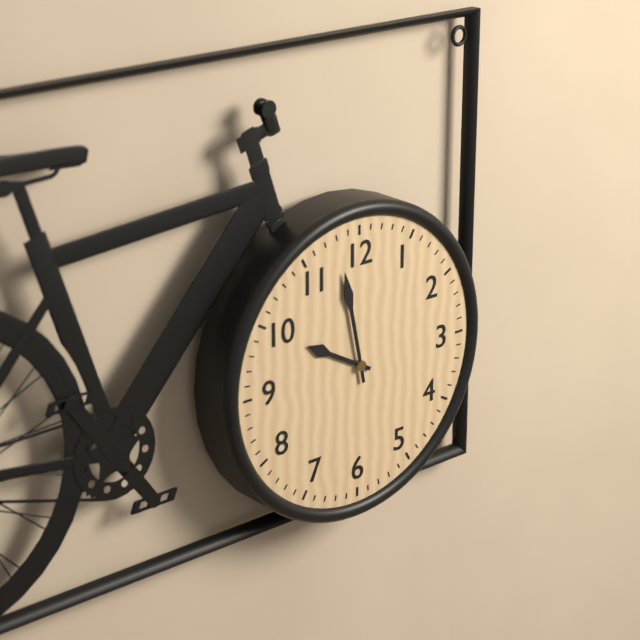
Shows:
{"hour": 9, "minute": 58}
